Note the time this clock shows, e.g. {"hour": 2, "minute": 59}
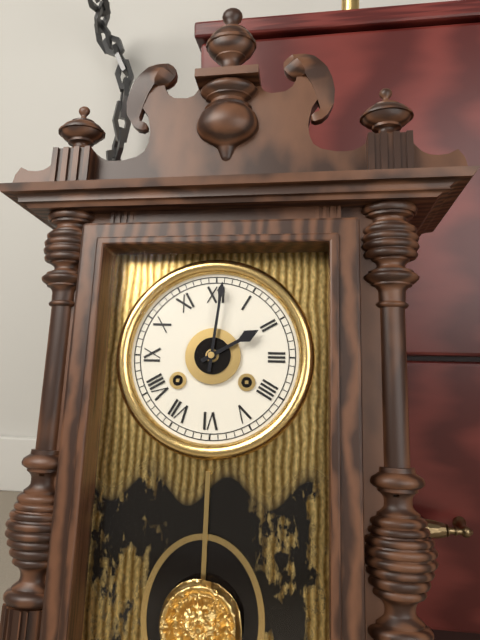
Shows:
{"hour": 2, "minute": 1}
